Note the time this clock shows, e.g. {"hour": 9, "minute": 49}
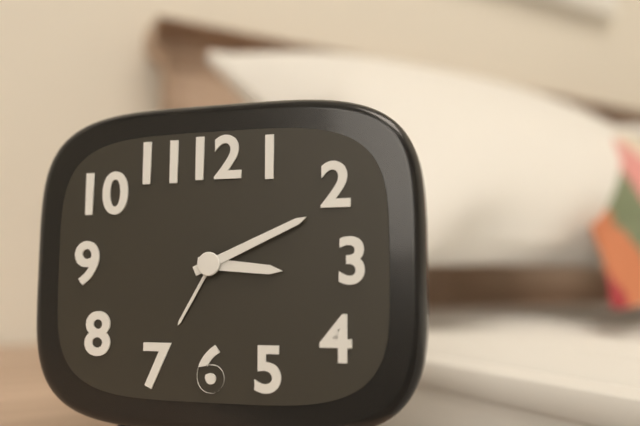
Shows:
{"hour": 3, "minute": 11}
